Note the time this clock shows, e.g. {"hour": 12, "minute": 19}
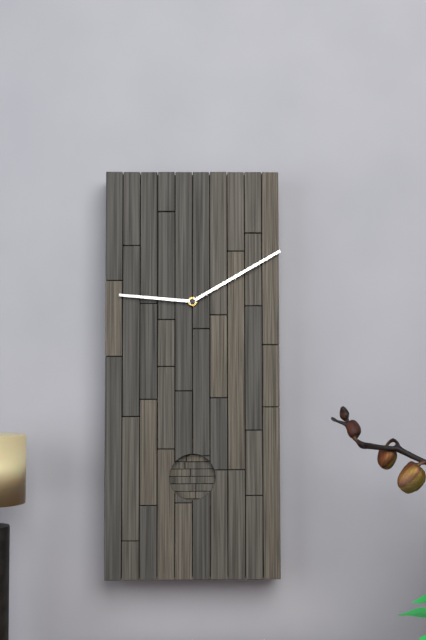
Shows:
{"hour": 9, "minute": 10}
